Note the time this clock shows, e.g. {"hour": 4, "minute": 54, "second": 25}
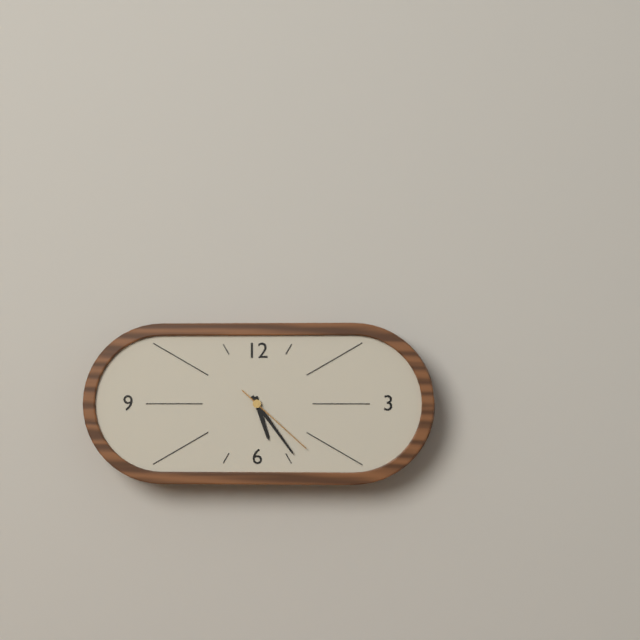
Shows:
{"hour": 5, "minute": 24, "second": 22}
